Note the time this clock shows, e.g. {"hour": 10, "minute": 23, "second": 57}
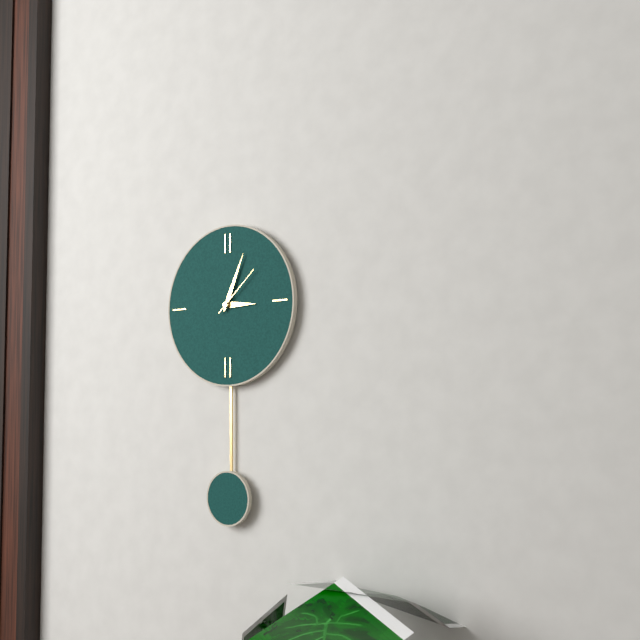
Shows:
{"hour": 3, "minute": 4, "second": 8}
